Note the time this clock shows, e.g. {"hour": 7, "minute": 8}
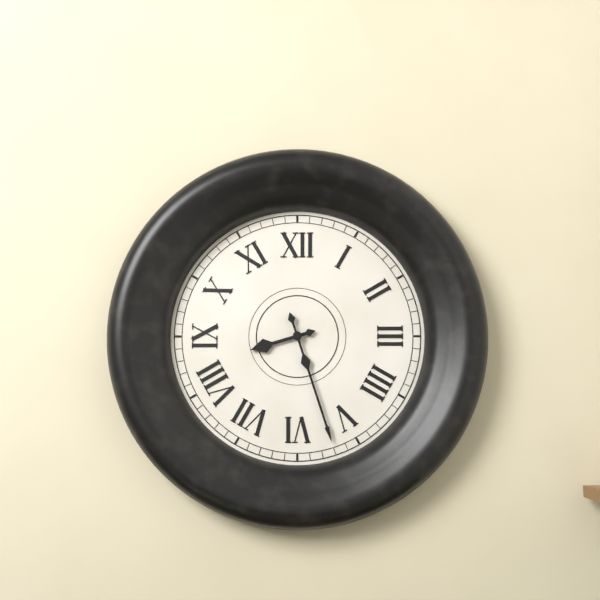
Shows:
{"hour": 8, "minute": 27}
